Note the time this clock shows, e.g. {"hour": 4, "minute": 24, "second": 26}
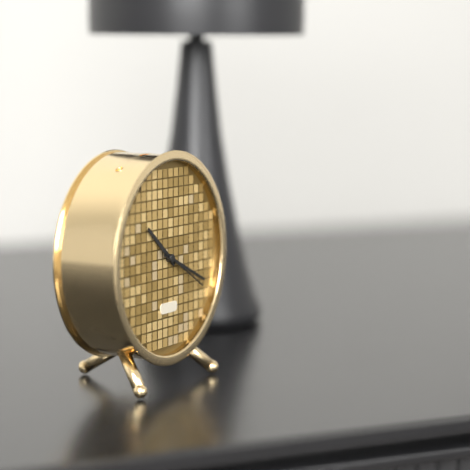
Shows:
{"hour": 10, "minute": 19, "second": 20}
